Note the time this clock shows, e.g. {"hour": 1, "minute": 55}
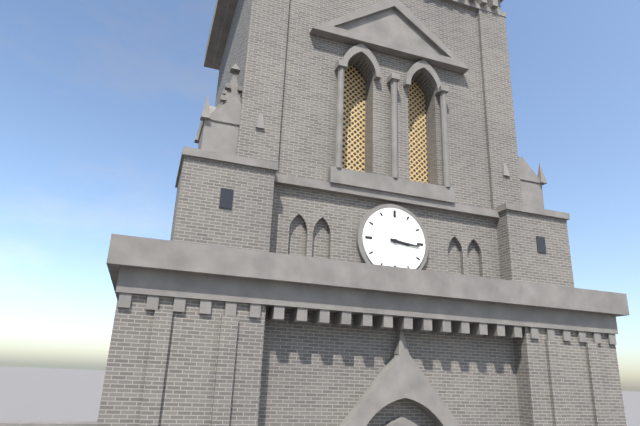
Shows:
{"hour": 3, "minute": 16}
